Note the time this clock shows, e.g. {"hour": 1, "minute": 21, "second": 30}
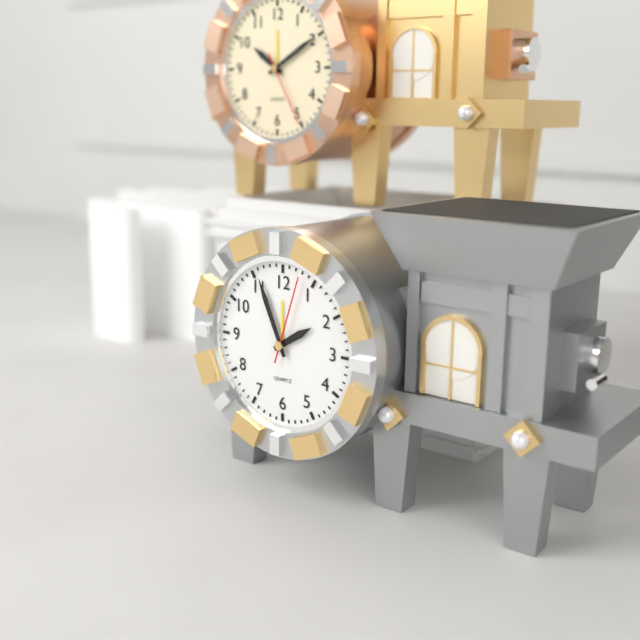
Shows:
{"hour": 1, "minute": 56, "second": 3}
